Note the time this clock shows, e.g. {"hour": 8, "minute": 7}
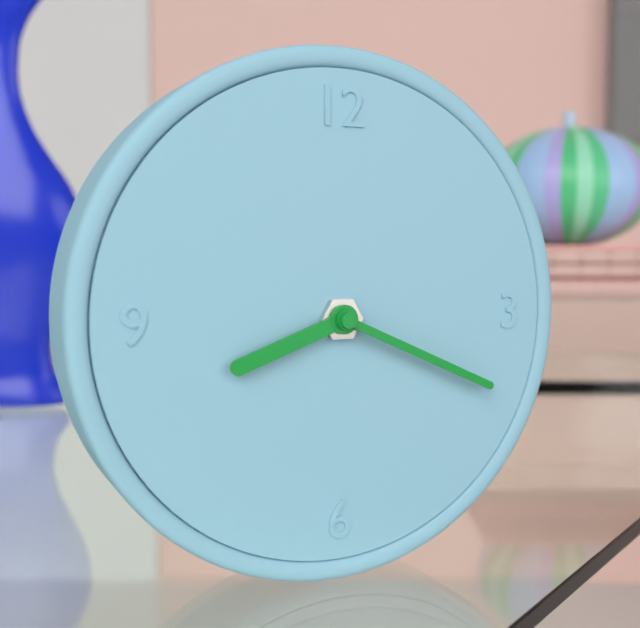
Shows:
{"hour": 8, "minute": 19}
